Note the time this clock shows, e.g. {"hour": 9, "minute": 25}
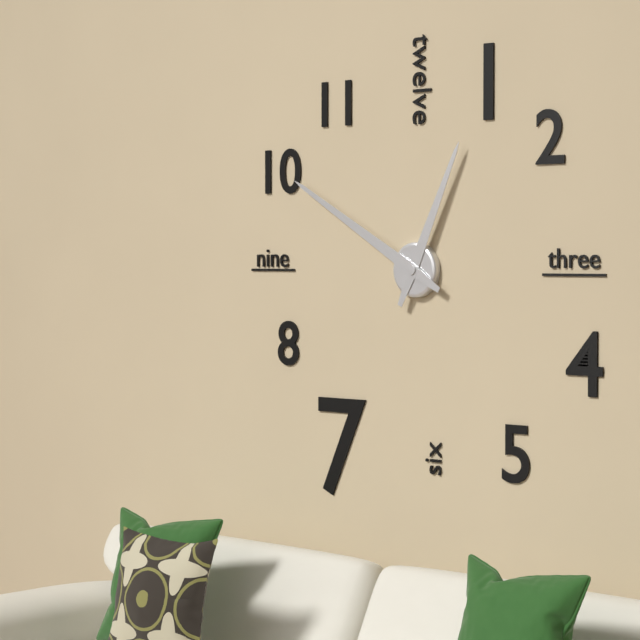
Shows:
{"hour": 12, "minute": 50}
